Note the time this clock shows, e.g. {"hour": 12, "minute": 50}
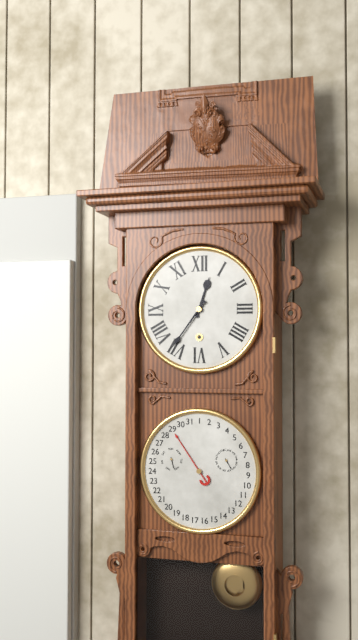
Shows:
{"hour": 12, "minute": 36}
